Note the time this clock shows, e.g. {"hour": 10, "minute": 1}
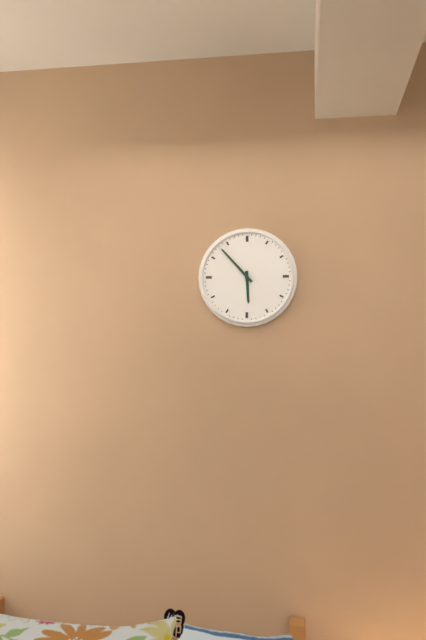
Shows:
{"hour": 5, "minute": 53}
